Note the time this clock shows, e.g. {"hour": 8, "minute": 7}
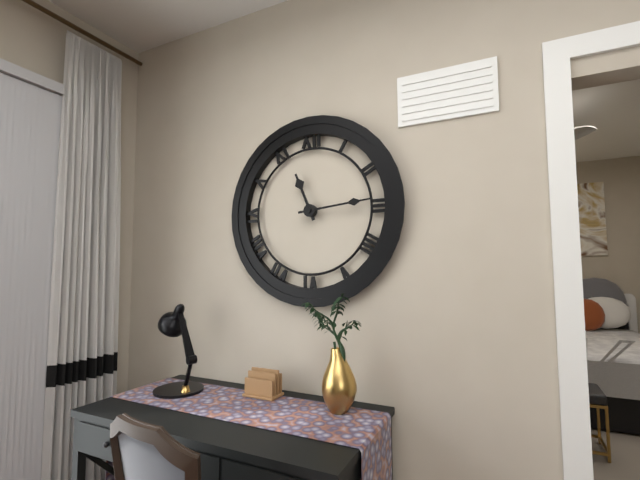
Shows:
{"hour": 11, "minute": 14}
